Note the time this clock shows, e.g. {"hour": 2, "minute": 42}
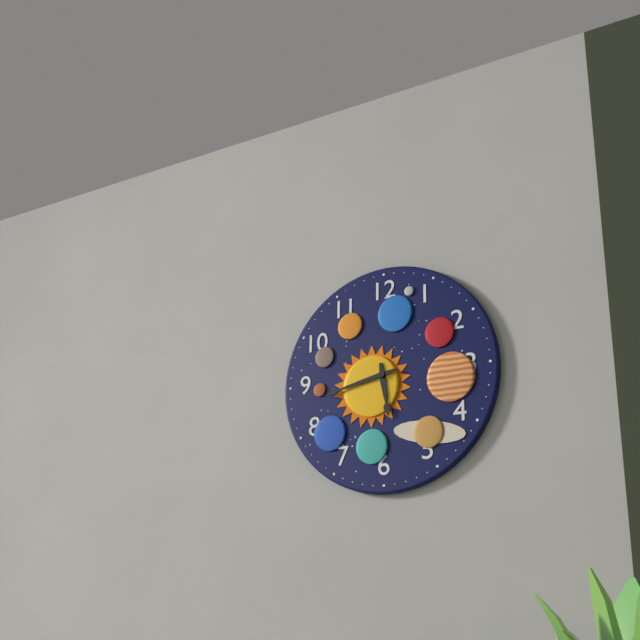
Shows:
{"hour": 5, "minute": 43}
